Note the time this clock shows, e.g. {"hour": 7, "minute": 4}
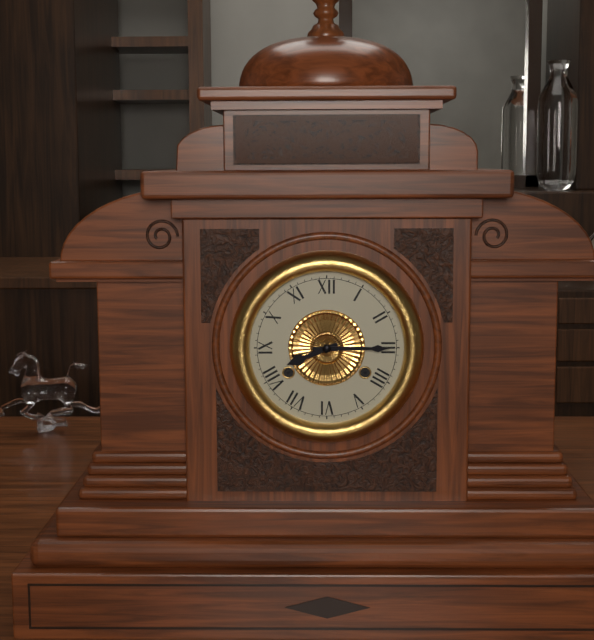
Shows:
{"hour": 8, "minute": 15}
